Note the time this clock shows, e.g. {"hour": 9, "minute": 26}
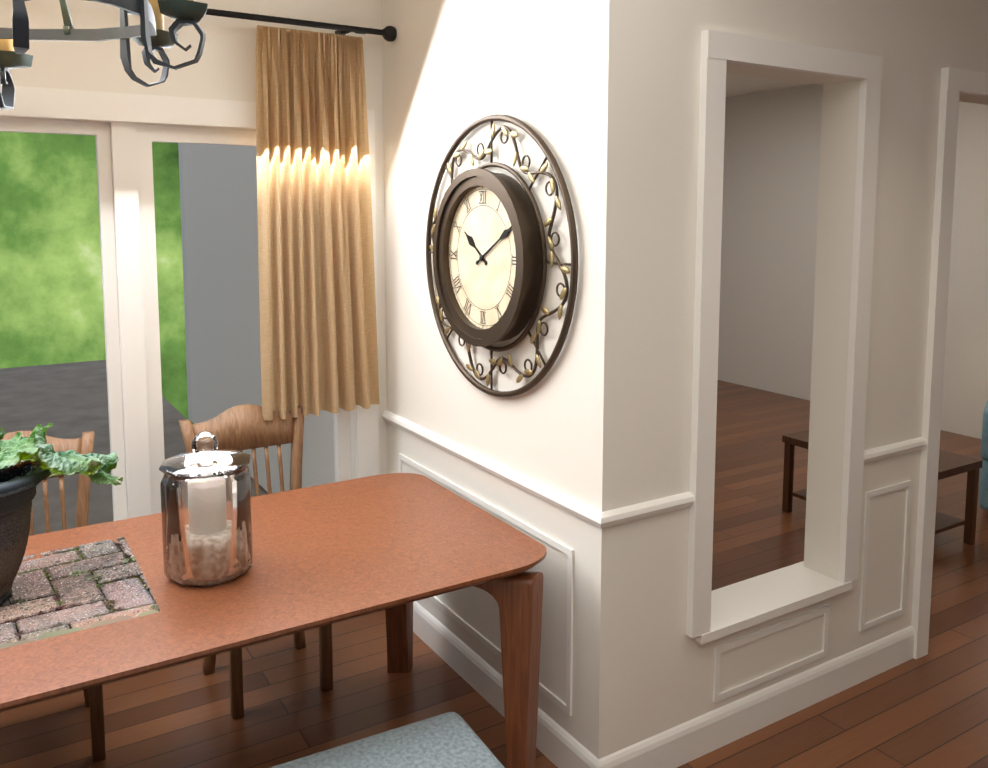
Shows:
{"hour": 10, "minute": 10}
